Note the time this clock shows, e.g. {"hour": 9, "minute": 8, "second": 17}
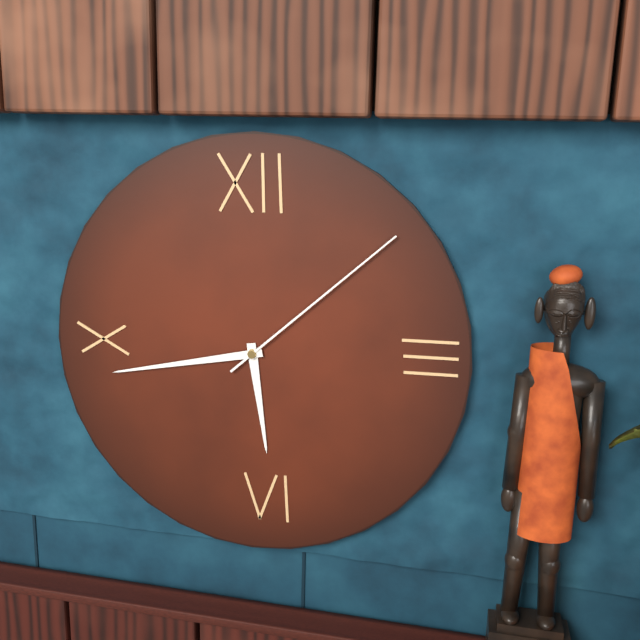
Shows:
{"hour": 5, "minute": 43, "second": 8}
